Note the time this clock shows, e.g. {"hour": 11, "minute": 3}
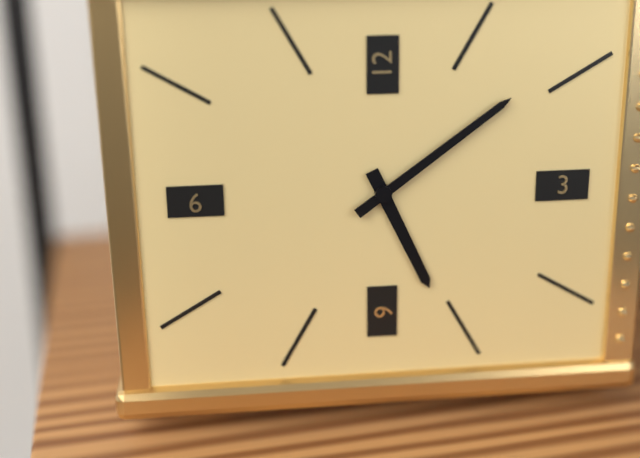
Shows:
{"hour": 5, "minute": 9}
